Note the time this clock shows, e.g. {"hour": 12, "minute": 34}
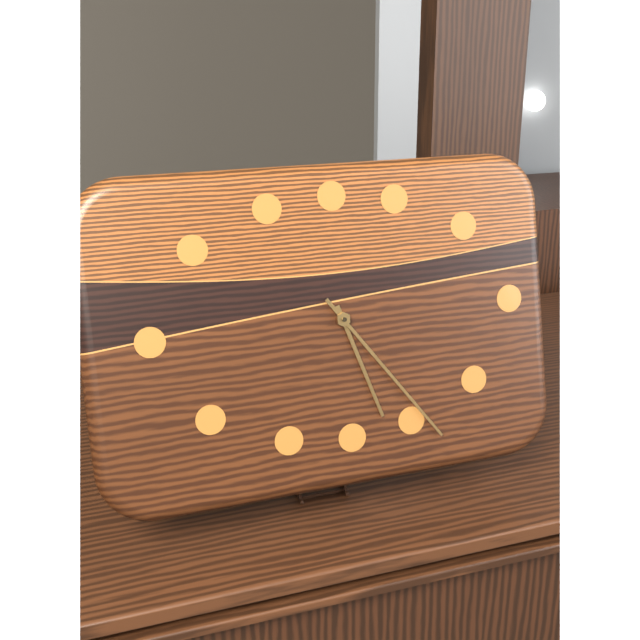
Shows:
{"hour": 5, "minute": 24}
